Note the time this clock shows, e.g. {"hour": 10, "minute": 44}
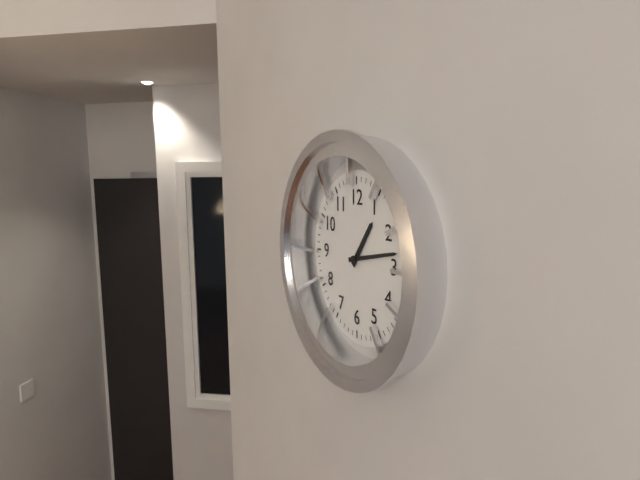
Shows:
{"hour": 1, "minute": 13}
